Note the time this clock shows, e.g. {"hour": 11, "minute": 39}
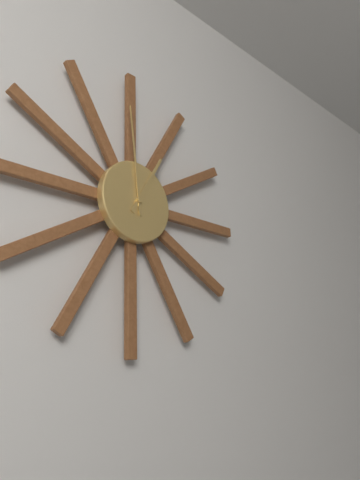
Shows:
{"hour": 12, "minute": 59}
